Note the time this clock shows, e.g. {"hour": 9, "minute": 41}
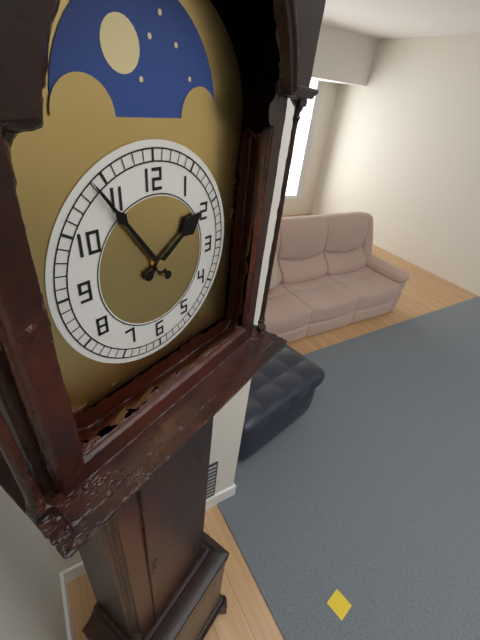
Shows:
{"hour": 1, "minute": 54}
